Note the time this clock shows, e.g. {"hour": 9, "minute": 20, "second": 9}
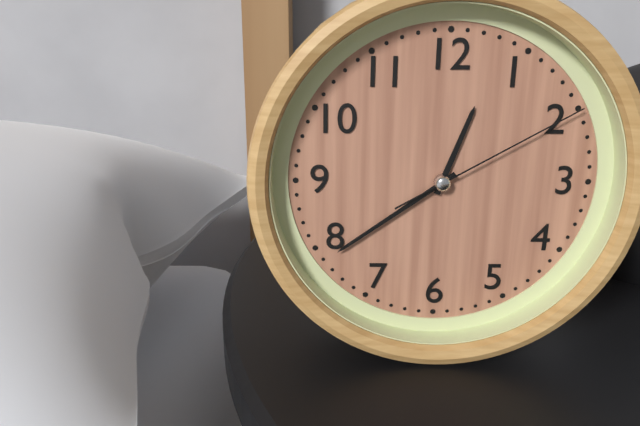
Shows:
{"hour": 12, "minute": 39, "second": 10}
